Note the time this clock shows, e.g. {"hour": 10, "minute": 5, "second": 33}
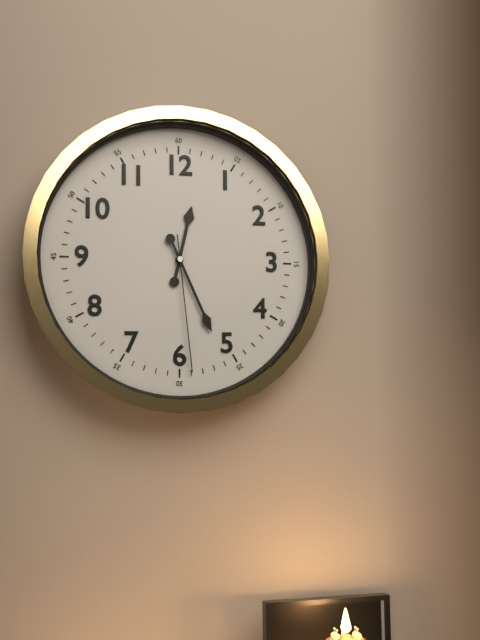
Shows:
{"hour": 12, "minute": 26, "second": 29}
